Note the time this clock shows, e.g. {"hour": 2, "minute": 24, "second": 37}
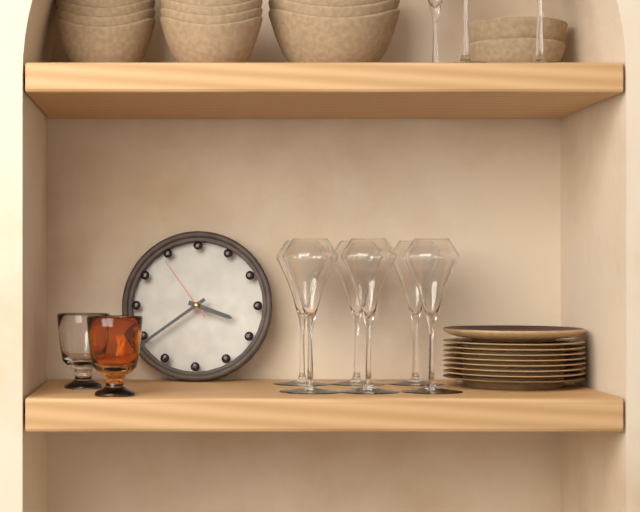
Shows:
{"hour": 3, "minute": 39, "second": 54}
